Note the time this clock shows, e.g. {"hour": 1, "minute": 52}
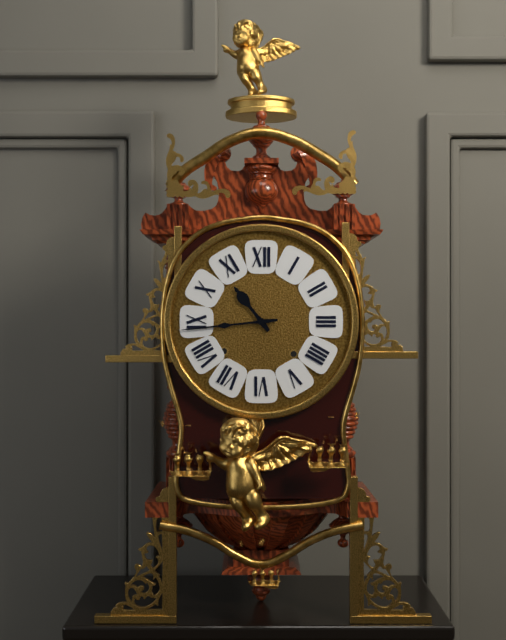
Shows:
{"hour": 10, "minute": 44}
